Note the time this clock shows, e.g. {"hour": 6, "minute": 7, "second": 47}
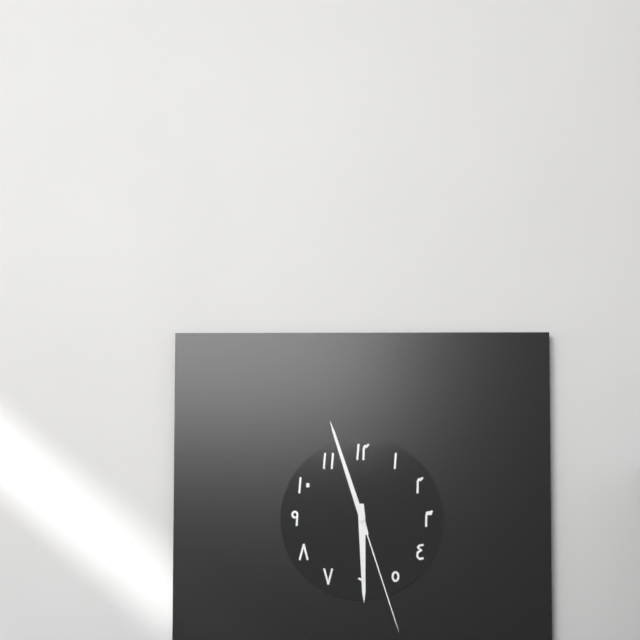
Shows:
{"hour": 5, "minute": 57, "second": 27}
